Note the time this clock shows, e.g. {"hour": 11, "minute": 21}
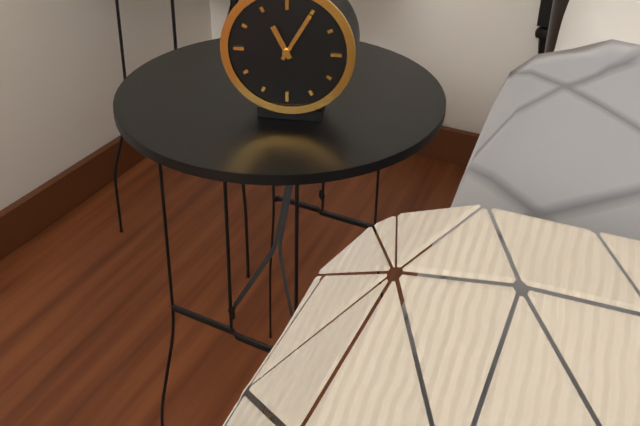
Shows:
{"hour": 11, "minute": 5}
